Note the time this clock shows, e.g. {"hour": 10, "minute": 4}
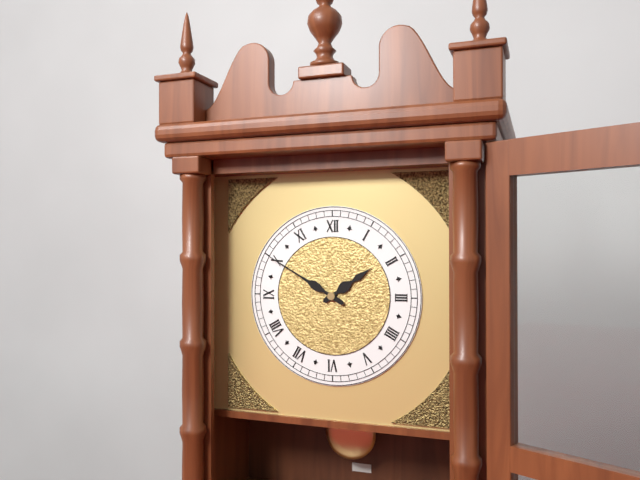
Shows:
{"hour": 1, "minute": 50}
